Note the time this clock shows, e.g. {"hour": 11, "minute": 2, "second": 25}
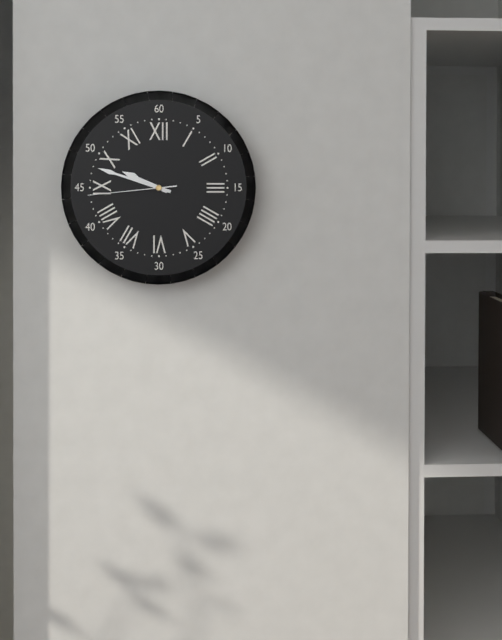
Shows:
{"hour": 9, "minute": 48, "second": 44}
